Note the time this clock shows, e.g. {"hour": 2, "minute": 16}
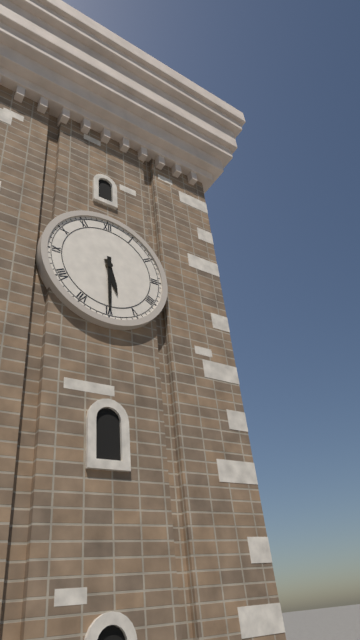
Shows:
{"hour": 5, "minute": 30}
